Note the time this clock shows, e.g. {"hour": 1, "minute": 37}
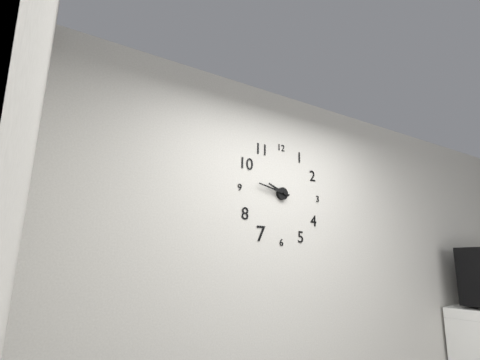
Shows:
{"hour": 9, "minute": 47}
